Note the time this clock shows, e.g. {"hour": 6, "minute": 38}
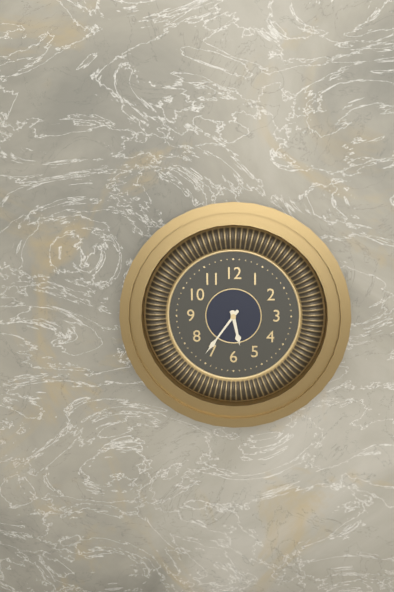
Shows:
{"hour": 5, "minute": 36}
